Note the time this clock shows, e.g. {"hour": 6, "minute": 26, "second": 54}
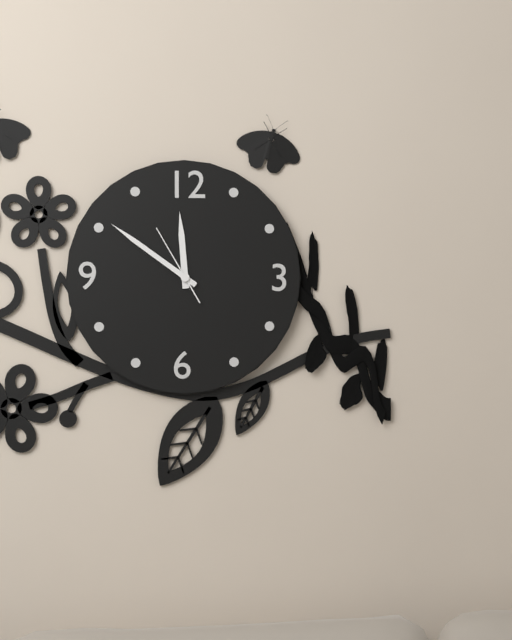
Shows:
{"hour": 11, "minute": 51, "second": 55}
